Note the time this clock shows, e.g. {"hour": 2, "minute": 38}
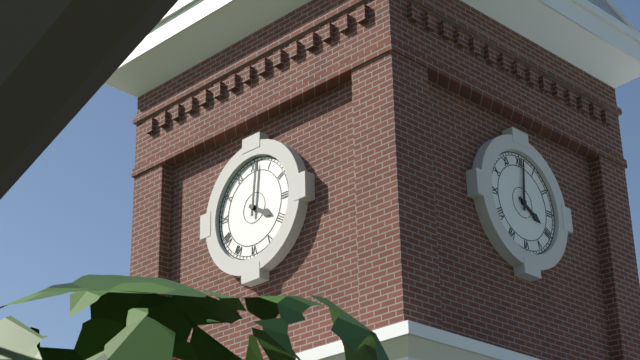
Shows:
{"hour": 4, "minute": 1}
